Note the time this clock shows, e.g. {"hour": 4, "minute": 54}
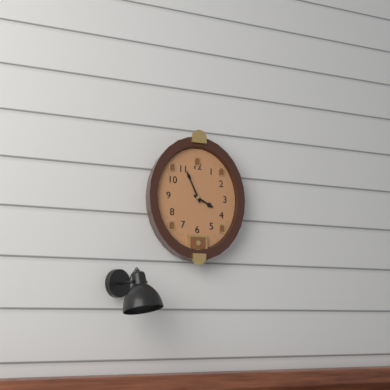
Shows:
{"hour": 3, "minute": 56}
